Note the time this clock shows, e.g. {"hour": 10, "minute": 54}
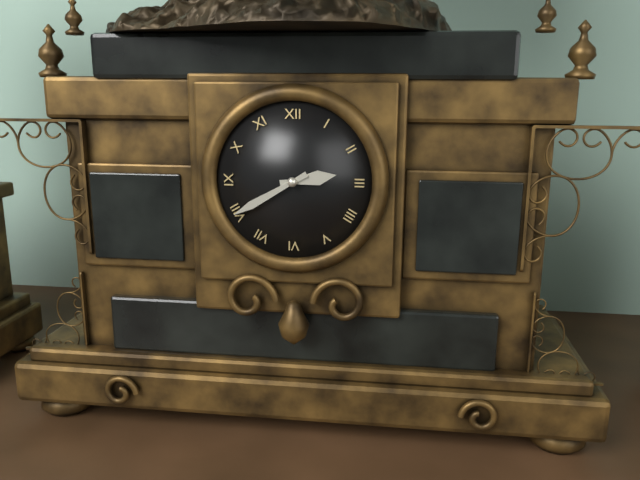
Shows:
{"hour": 2, "minute": 40}
